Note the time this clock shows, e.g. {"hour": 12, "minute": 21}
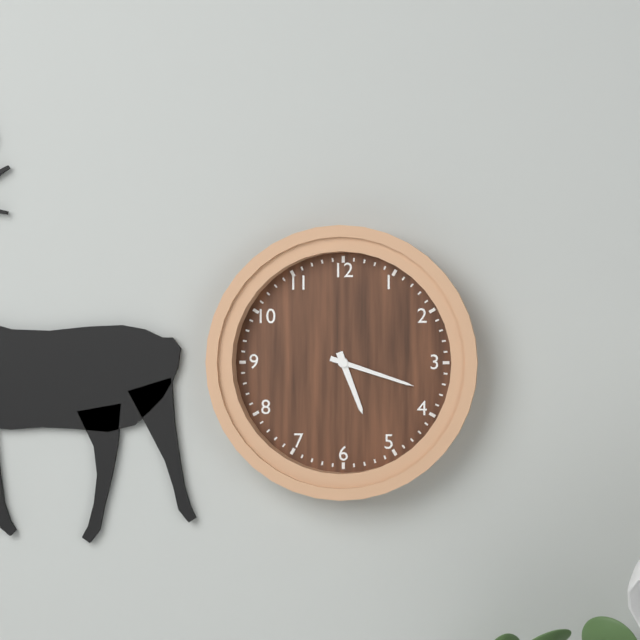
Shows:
{"hour": 5, "minute": 18}
